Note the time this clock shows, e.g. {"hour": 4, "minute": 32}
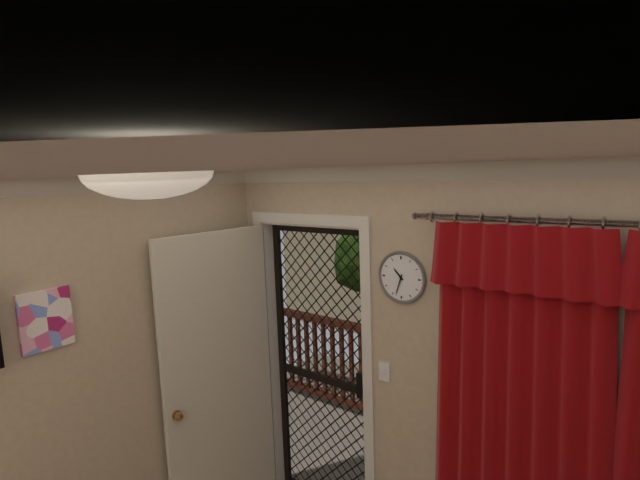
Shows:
{"hour": 10, "minute": 33}
